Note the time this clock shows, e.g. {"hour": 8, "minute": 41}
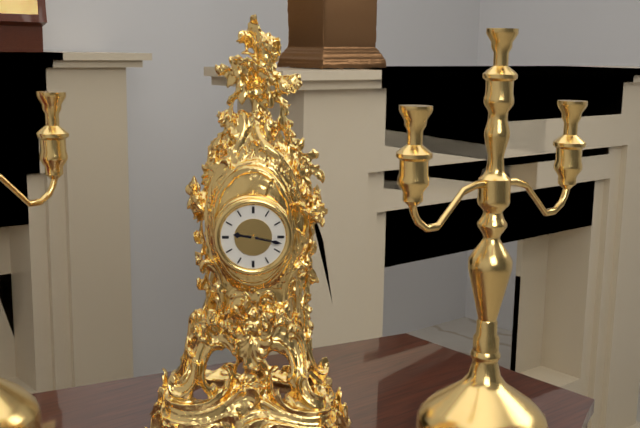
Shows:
{"hour": 9, "minute": 17}
